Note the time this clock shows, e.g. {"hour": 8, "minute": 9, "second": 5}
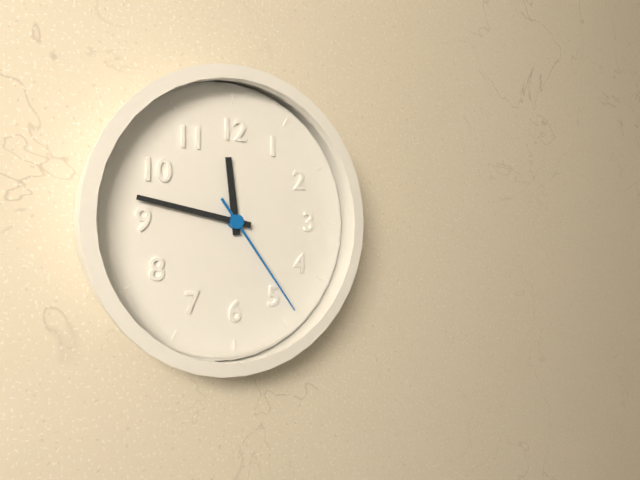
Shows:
{"hour": 11, "minute": 47, "second": 24}
